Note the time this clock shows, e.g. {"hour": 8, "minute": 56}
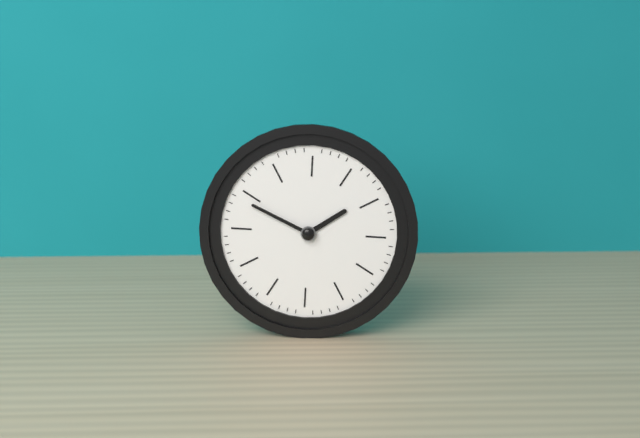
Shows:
{"hour": 1, "minute": 49}
